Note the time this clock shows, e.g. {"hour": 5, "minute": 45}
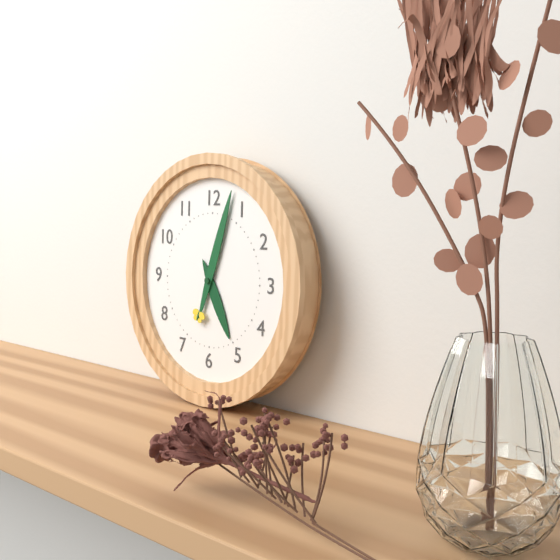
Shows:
{"hour": 5, "minute": 3}
